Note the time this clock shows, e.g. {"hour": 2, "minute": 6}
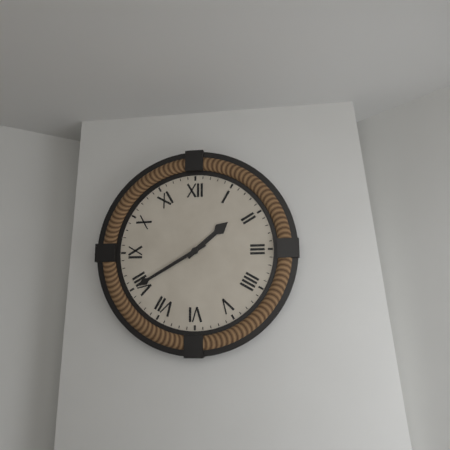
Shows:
{"hour": 1, "minute": 40}
